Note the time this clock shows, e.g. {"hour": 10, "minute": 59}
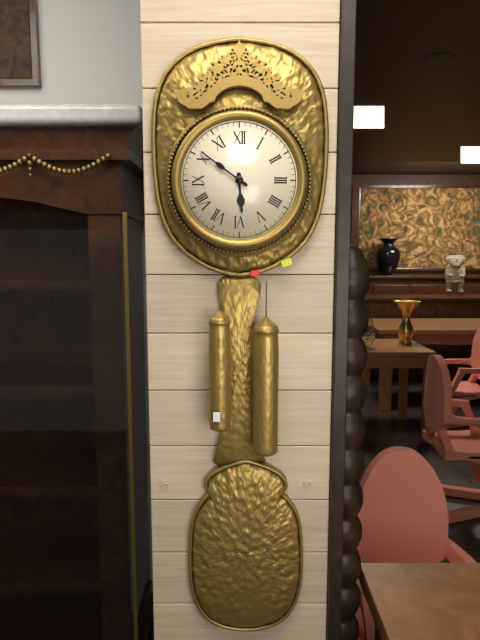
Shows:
{"hour": 5, "minute": 51}
